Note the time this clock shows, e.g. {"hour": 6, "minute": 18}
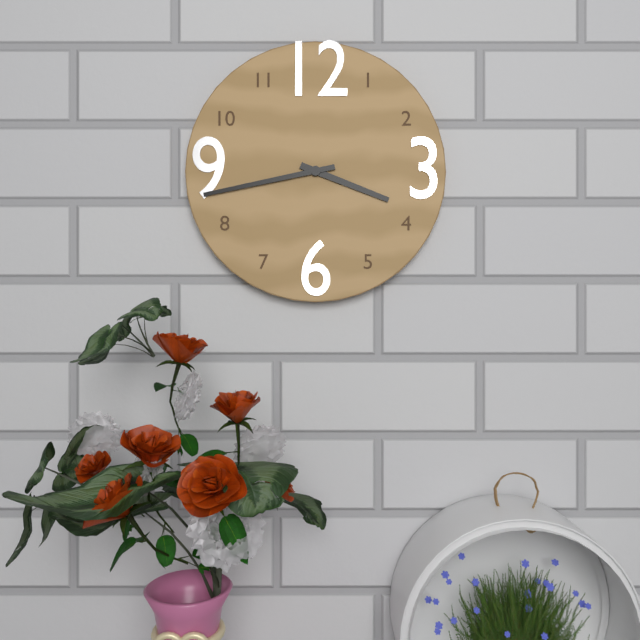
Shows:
{"hour": 3, "minute": 43}
